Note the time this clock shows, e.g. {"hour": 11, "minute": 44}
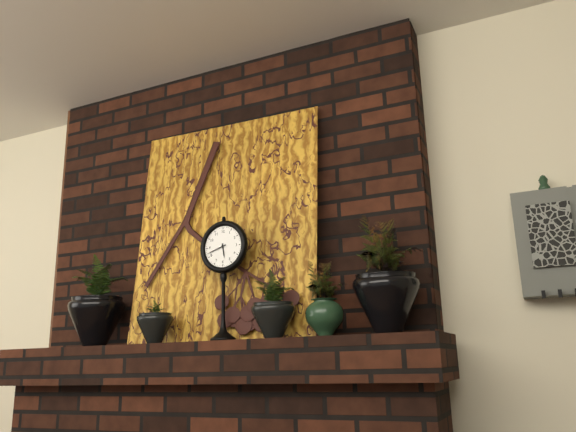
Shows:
{"hour": 5, "minute": 42}
